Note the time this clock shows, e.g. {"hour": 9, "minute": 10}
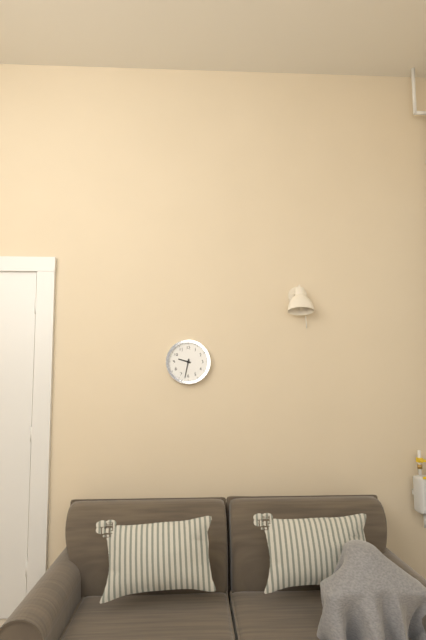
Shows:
{"hour": 9, "minute": 32}
